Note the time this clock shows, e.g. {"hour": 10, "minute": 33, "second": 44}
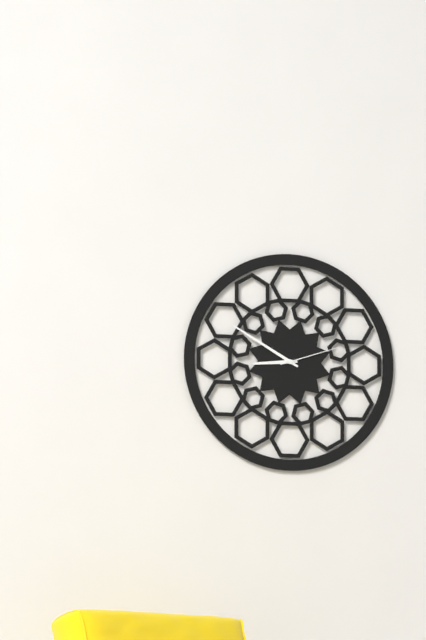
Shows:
{"hour": 8, "minute": 50, "second": 12}
